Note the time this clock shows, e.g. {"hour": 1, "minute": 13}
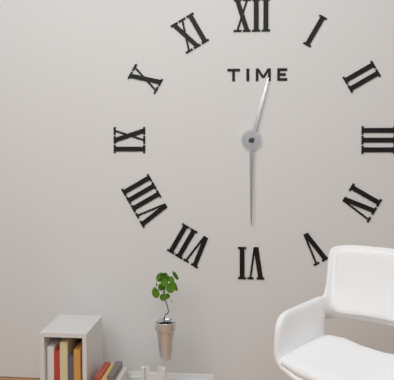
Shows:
{"hour": 12, "minute": 30}
